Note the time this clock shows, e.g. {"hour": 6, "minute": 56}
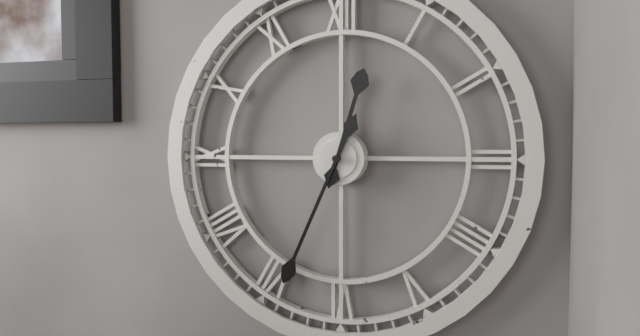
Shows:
{"hour": 12, "minute": 34}
